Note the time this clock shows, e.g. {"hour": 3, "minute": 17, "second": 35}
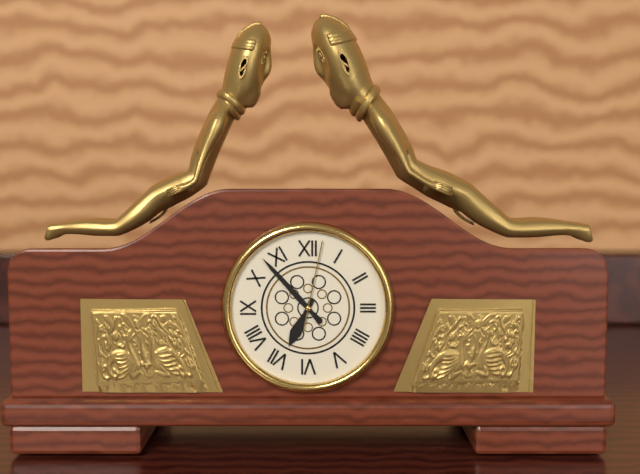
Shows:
{"hour": 6, "minute": 53, "second": 2}
